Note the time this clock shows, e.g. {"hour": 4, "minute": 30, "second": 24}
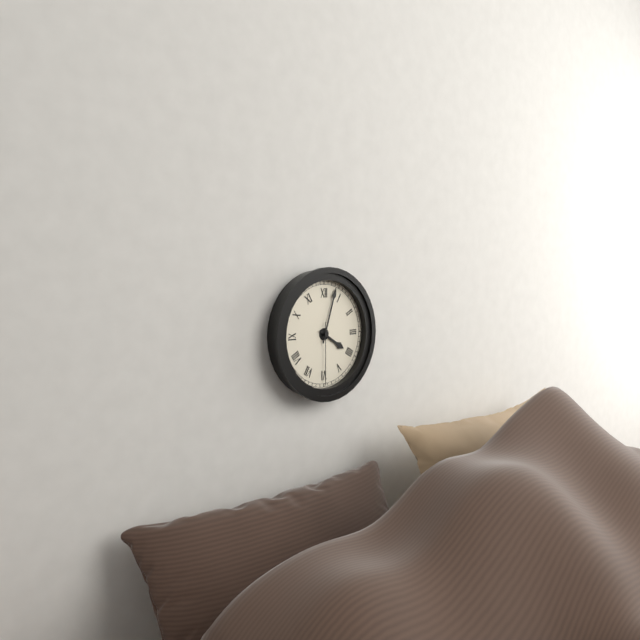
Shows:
{"hour": 4, "minute": 3, "second": 30}
